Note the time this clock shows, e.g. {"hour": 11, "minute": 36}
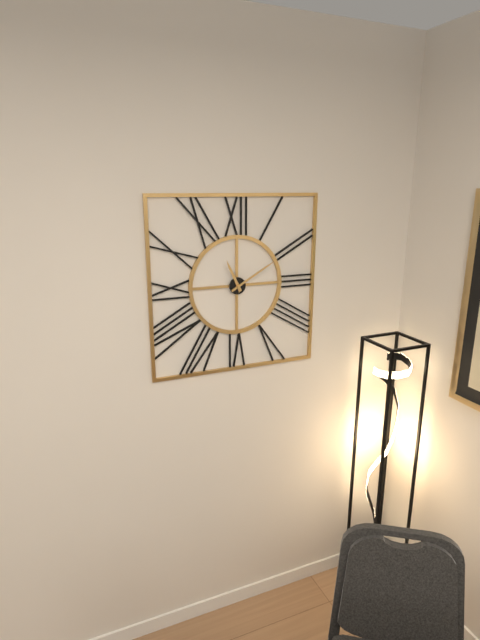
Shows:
{"hour": 11, "minute": 10}
